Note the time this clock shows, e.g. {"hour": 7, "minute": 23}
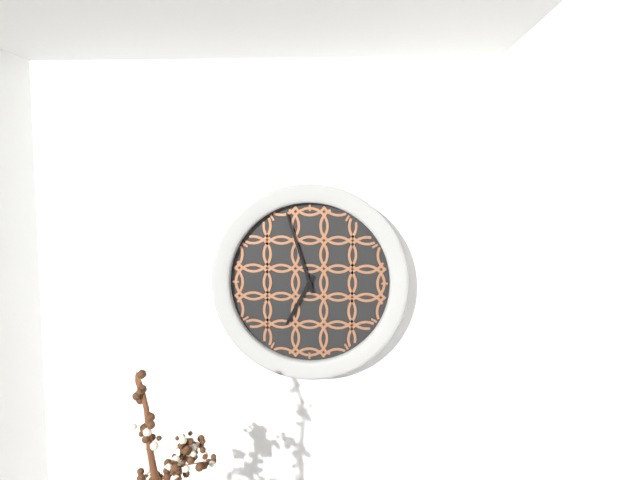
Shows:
{"hour": 6, "minute": 57}
